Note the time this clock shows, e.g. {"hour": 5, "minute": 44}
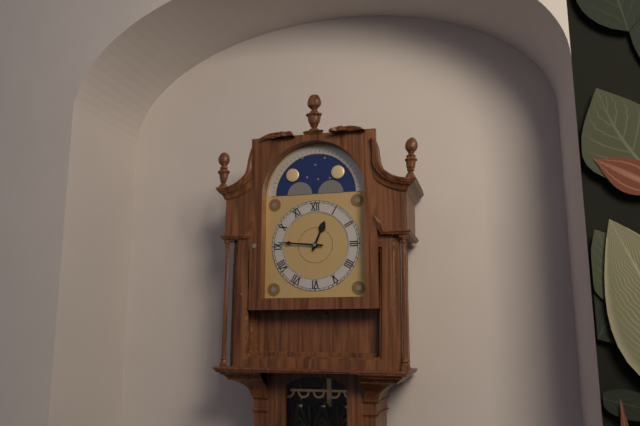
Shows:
{"hour": 12, "minute": 46}
